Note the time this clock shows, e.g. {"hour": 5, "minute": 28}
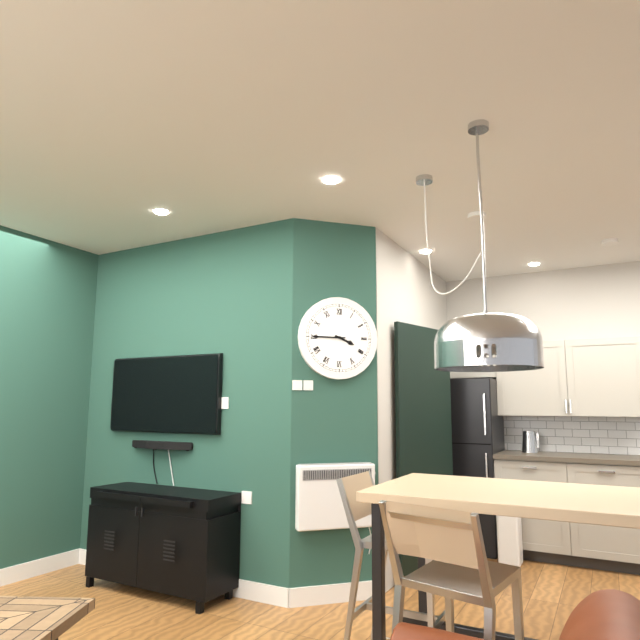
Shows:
{"hour": 3, "minute": 45}
